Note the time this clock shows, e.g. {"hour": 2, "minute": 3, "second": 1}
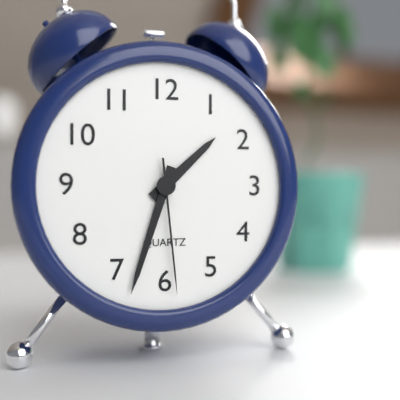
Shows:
{"hour": 1, "minute": 33, "second": 29}
